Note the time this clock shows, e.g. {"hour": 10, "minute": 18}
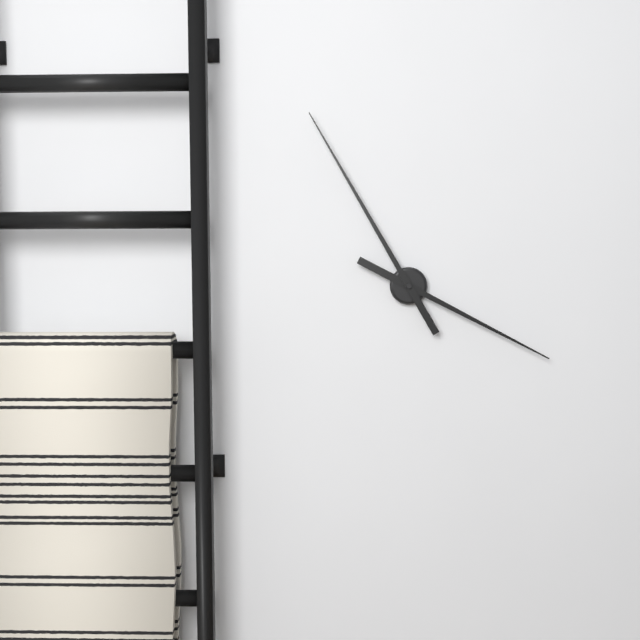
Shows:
{"hour": 3, "minute": 55}
